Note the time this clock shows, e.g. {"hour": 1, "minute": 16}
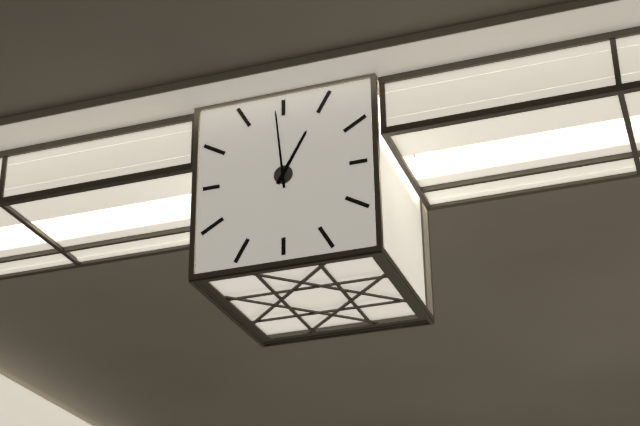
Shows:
{"hour": 12, "minute": 59}
